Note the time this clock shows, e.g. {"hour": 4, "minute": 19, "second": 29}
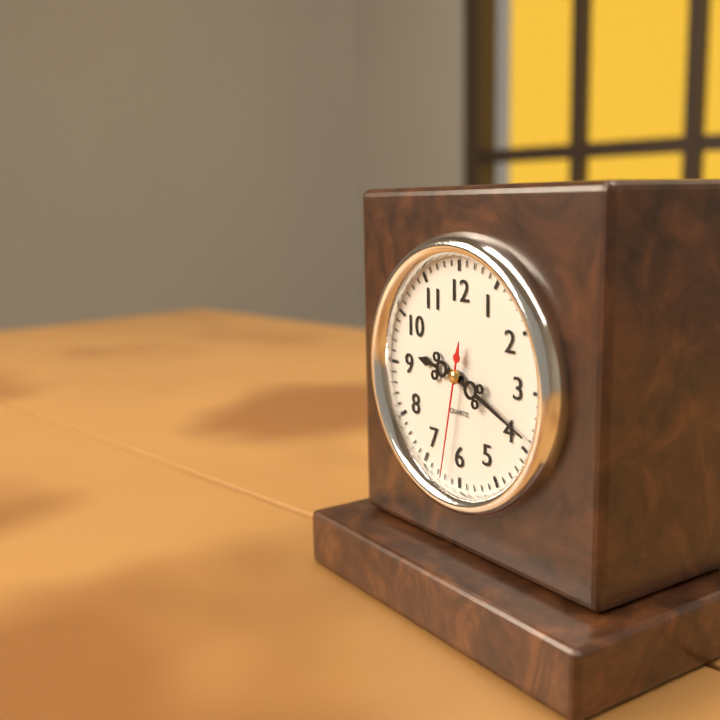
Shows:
{"hour": 9, "minute": 19, "second": 32}
